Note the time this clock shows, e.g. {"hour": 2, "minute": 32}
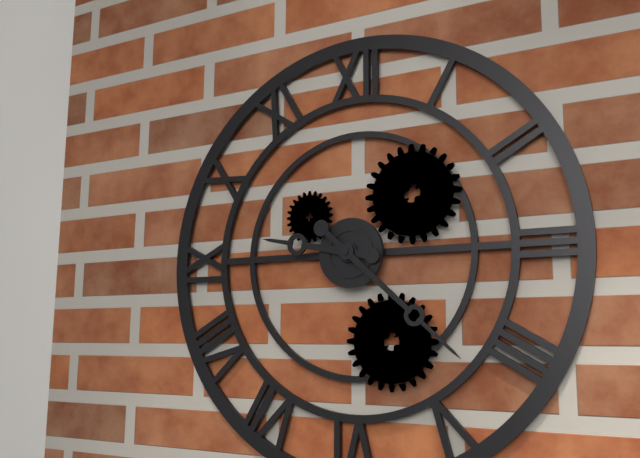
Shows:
{"hour": 9, "minute": 22}
